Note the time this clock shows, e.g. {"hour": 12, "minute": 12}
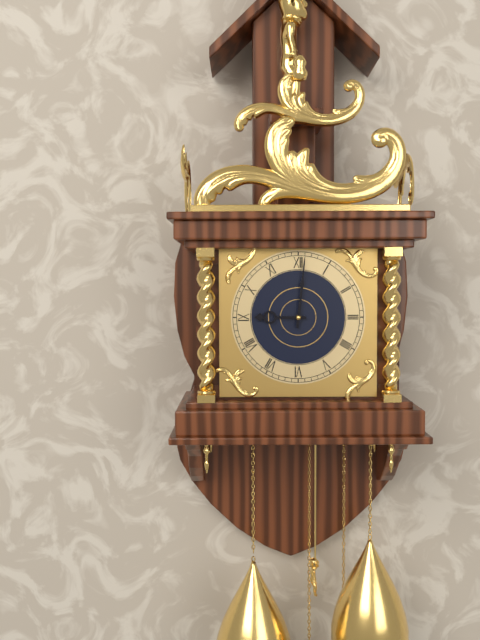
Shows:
{"hour": 9, "minute": 1}
